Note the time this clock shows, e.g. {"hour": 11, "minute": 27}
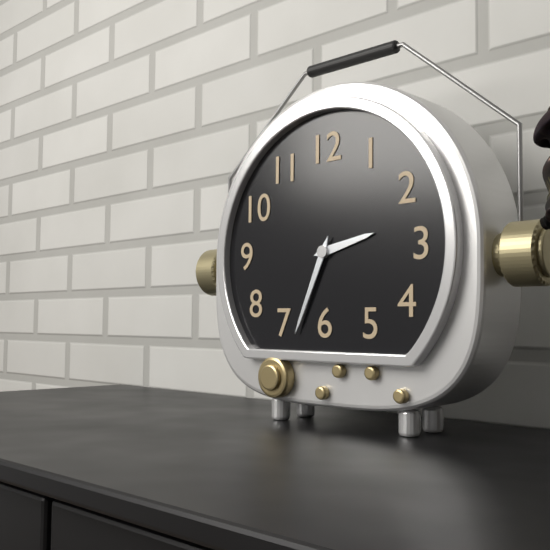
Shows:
{"hour": 2, "minute": 34}
